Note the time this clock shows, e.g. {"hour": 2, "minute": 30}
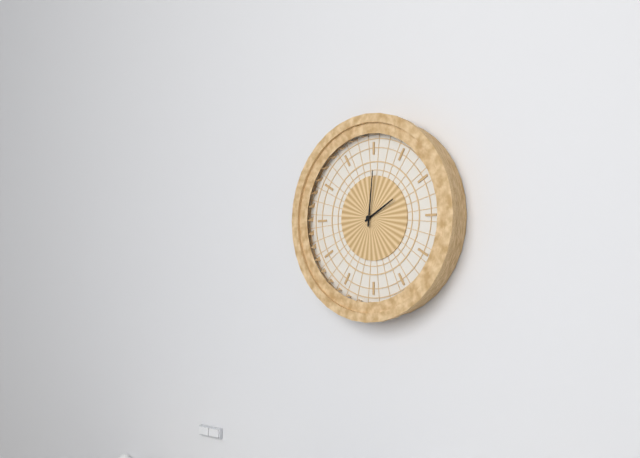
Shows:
{"hour": 2, "minute": 1}
